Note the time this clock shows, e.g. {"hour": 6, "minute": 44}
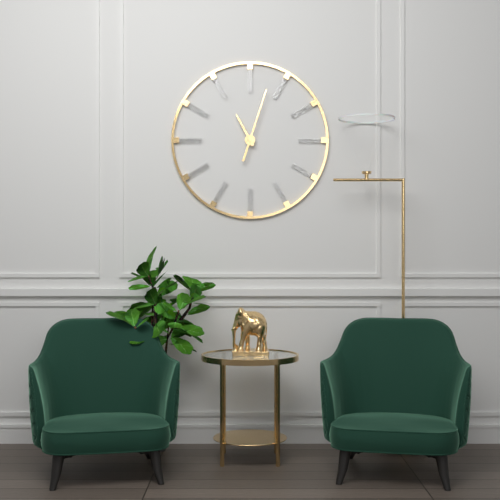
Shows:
{"hour": 11, "minute": 3}
